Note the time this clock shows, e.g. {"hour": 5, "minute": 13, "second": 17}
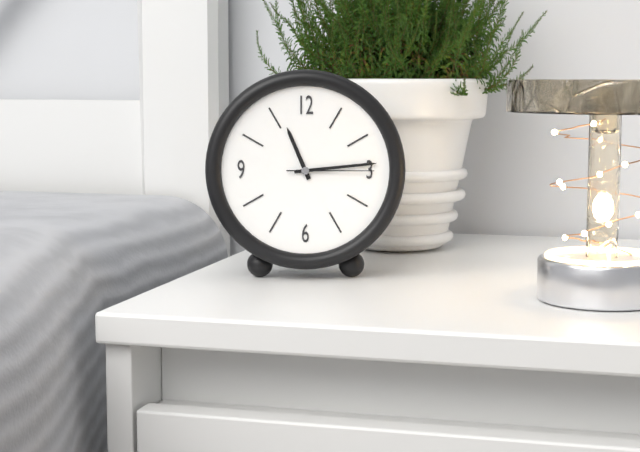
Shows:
{"hour": 11, "minute": 14, "second": 15}
